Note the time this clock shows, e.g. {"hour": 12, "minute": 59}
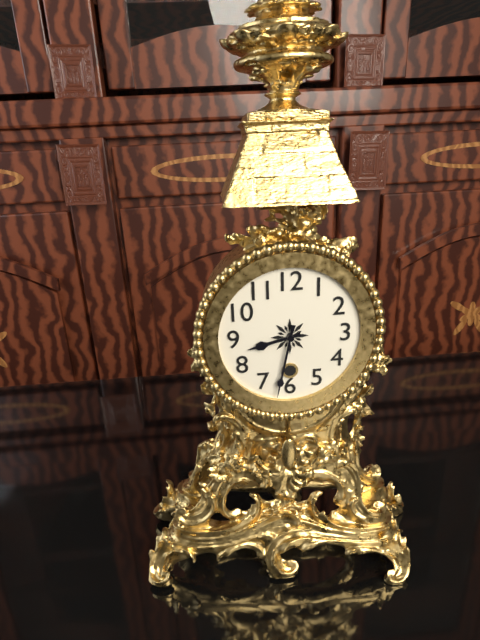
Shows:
{"hour": 8, "minute": 32}
